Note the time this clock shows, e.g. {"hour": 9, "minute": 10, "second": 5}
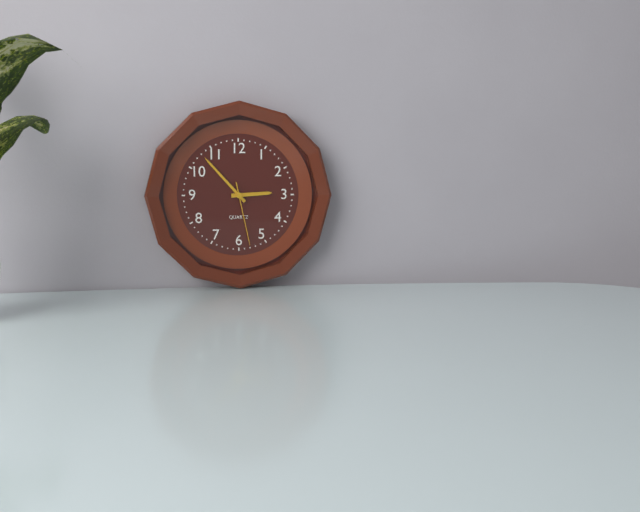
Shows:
{"hour": 2, "minute": 53, "second": 28}
